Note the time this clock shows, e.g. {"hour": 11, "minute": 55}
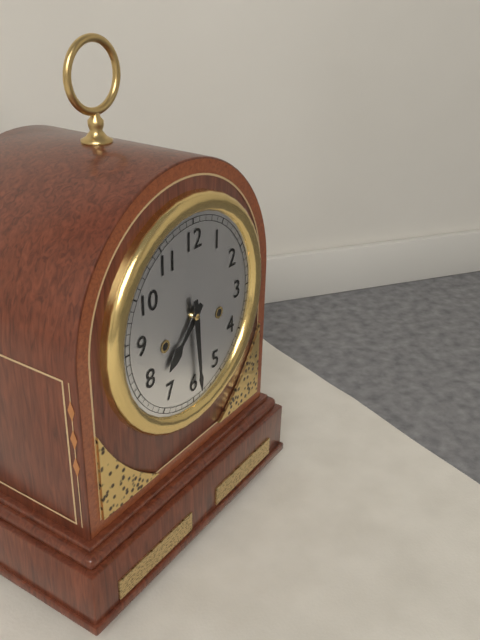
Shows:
{"hour": 7, "minute": 29}
